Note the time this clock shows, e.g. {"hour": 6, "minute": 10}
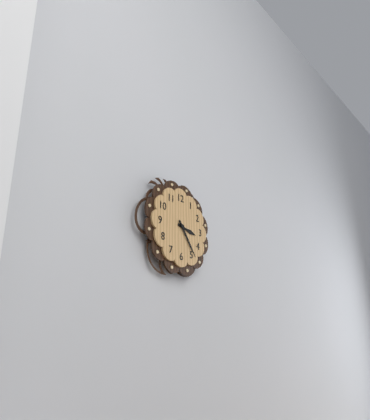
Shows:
{"hour": 3, "minute": 24}
